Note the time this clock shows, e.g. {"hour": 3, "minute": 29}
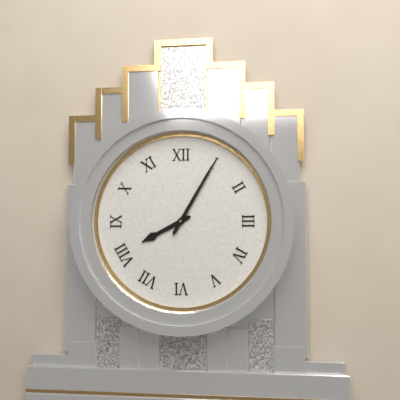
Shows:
{"hour": 8, "minute": 5}
